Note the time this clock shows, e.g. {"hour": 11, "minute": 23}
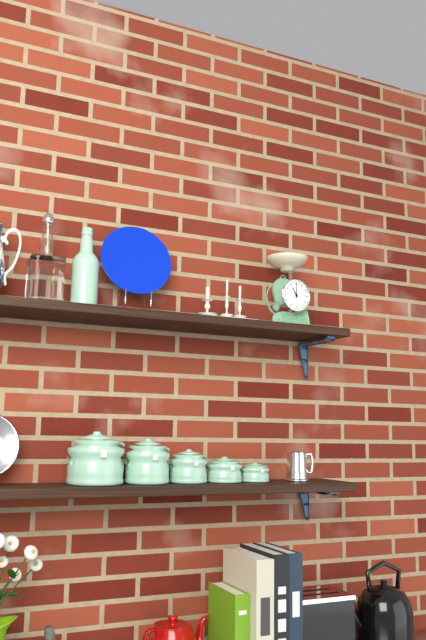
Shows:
{"hour": 11, "minute": 0}
